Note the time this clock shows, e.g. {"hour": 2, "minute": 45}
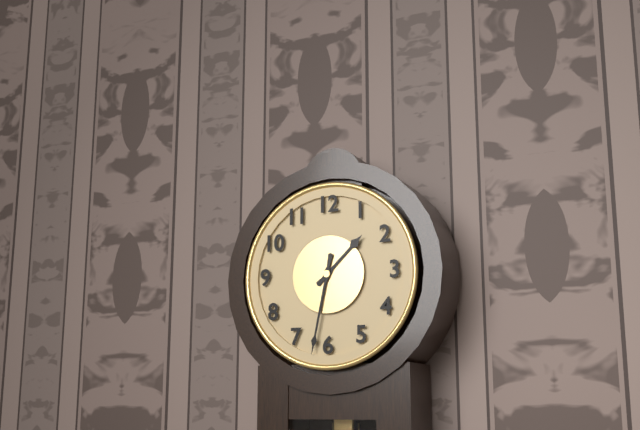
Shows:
{"hour": 1, "minute": 32}
